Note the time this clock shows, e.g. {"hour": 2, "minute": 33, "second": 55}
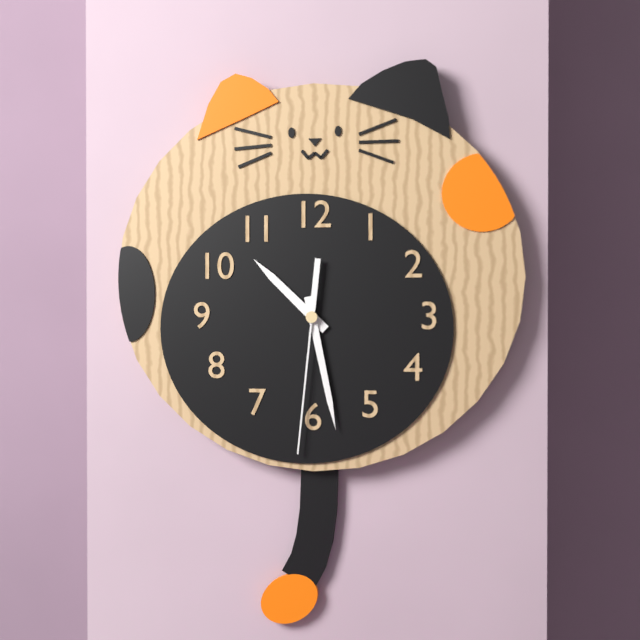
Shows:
{"hour": 10, "minute": 28, "second": 31}
